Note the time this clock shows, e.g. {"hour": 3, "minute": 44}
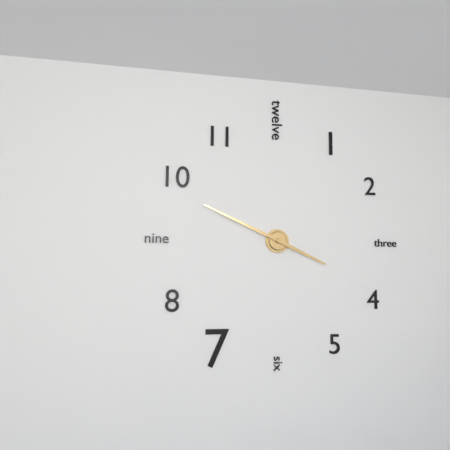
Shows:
{"hour": 3, "minute": 49}
